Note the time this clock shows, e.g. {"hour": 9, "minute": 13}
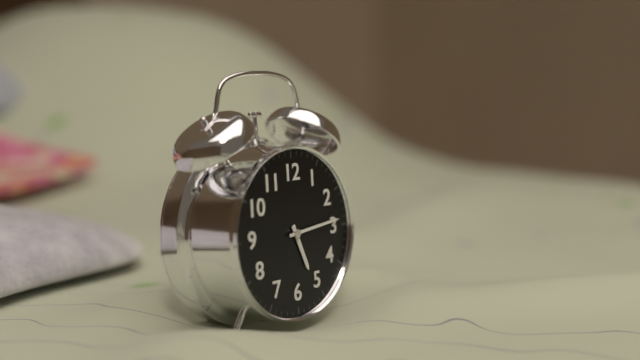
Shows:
{"hour": 5, "minute": 14}
